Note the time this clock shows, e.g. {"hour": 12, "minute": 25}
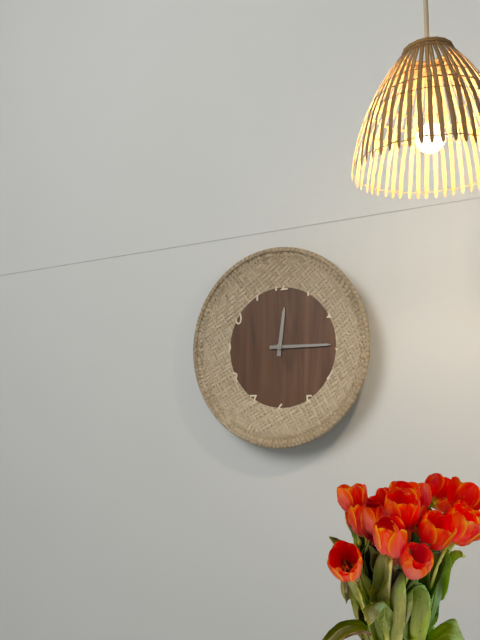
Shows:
{"hour": 12, "minute": 15}
